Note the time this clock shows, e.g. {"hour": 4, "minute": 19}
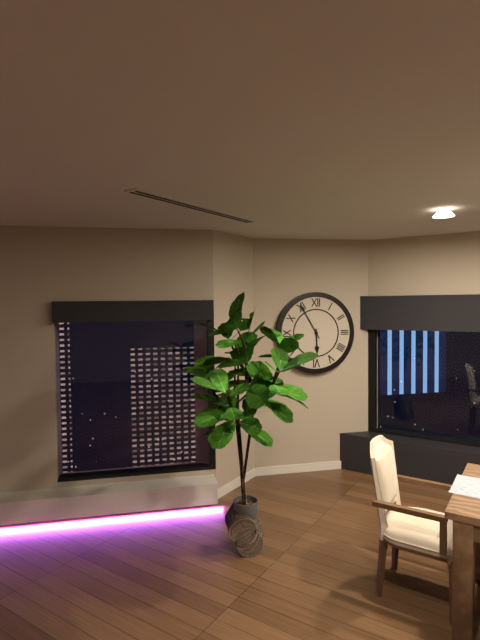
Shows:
{"hour": 5, "minute": 55}
